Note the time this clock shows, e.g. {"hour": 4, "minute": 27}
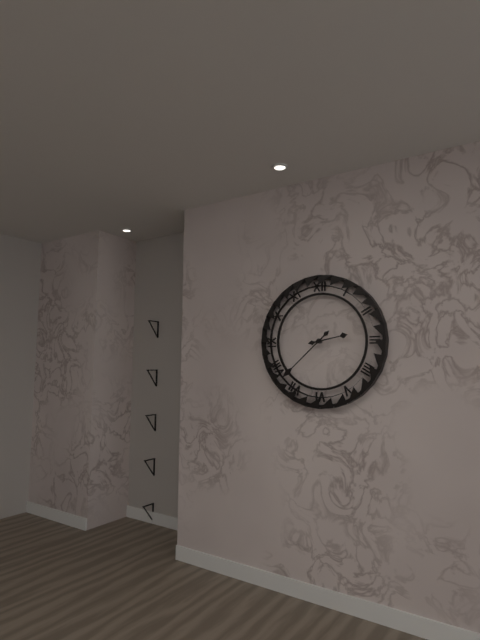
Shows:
{"hour": 2, "minute": 38}
